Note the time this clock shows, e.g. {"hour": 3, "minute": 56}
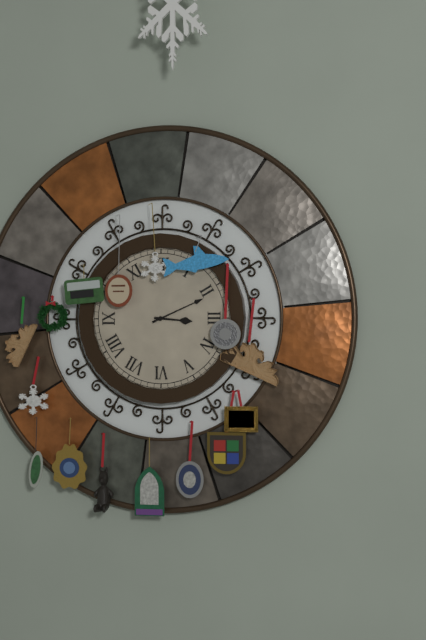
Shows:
{"hour": 3, "minute": 11}
